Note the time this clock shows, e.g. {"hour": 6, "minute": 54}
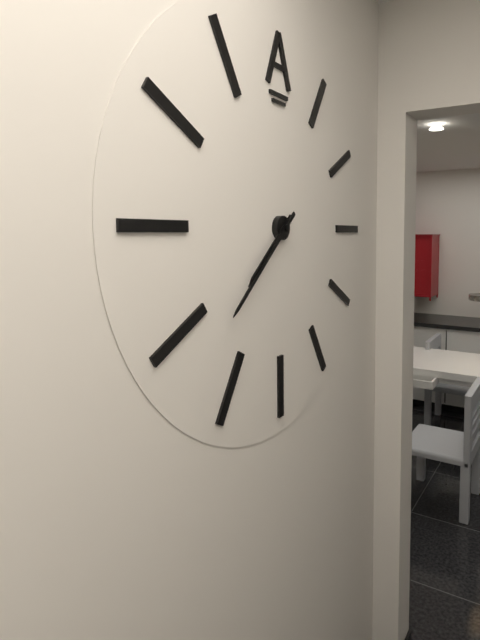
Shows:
{"hour": 7, "minute": 38}
